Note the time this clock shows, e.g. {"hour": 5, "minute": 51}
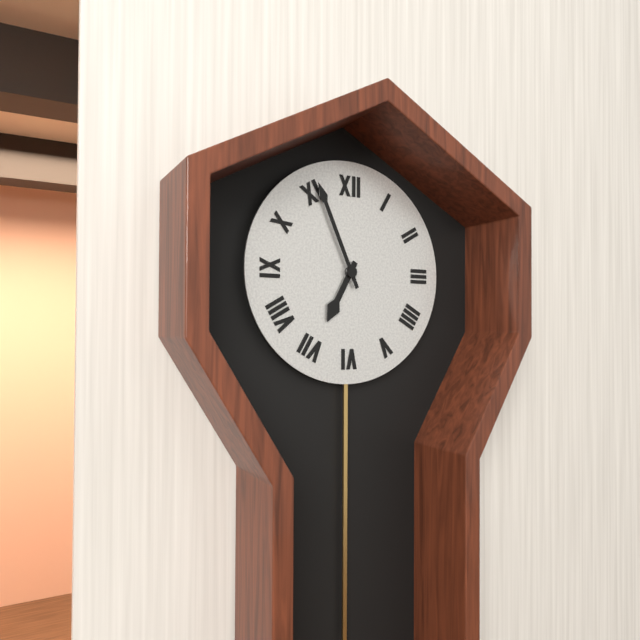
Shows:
{"hour": 6, "minute": 56}
